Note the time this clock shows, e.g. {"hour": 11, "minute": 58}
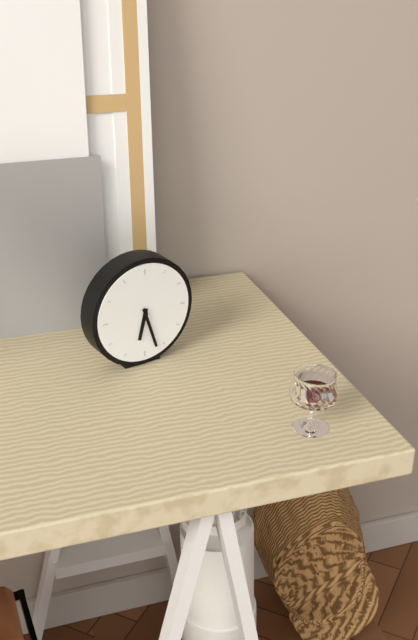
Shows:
{"hour": 6, "minute": 27}
